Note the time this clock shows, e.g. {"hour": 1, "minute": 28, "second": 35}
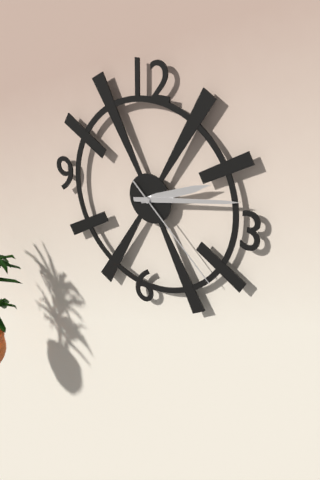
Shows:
{"hour": 2, "minute": 13, "second": 22}
